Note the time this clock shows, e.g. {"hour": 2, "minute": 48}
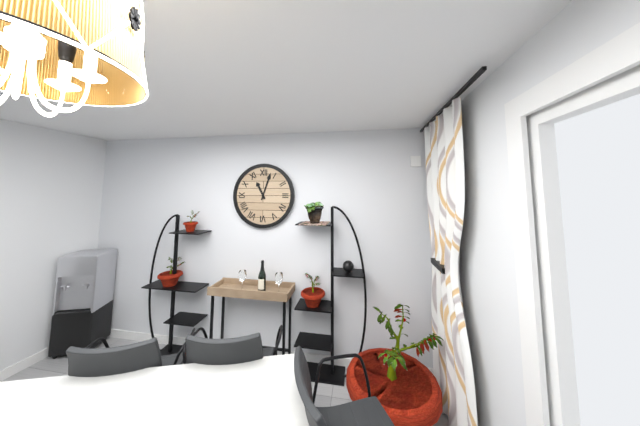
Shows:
{"hour": 11, "minute": 3}
